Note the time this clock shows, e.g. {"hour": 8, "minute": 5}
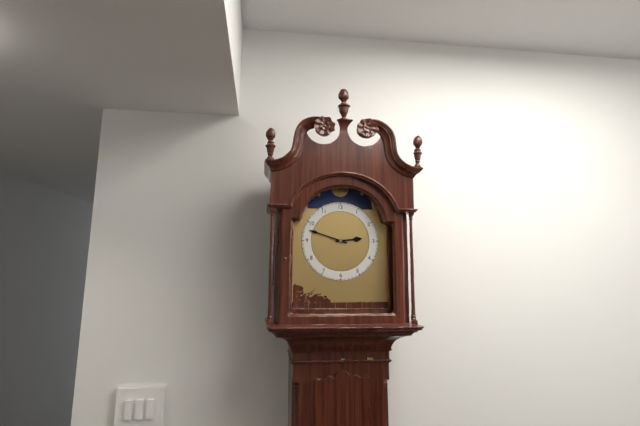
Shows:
{"hour": 2, "minute": 48}
